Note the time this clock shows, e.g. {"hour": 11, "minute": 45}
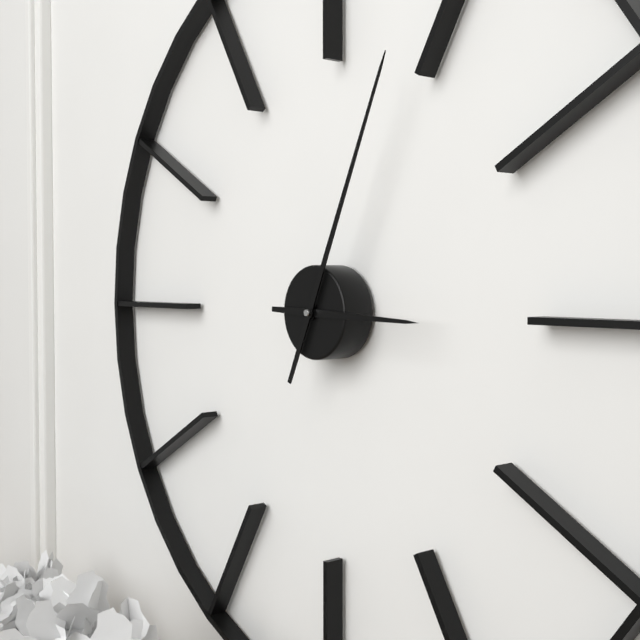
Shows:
{"hour": 3, "minute": 4}
